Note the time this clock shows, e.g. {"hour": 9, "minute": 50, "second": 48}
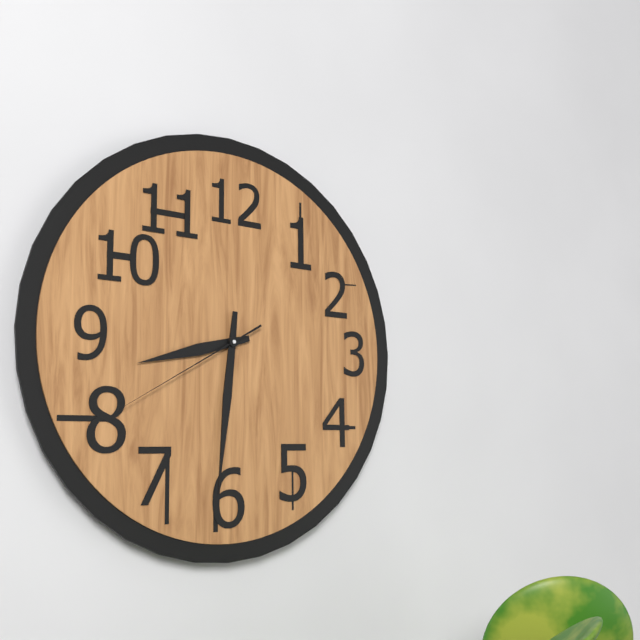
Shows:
{"hour": 8, "minute": 31, "second": 40}
